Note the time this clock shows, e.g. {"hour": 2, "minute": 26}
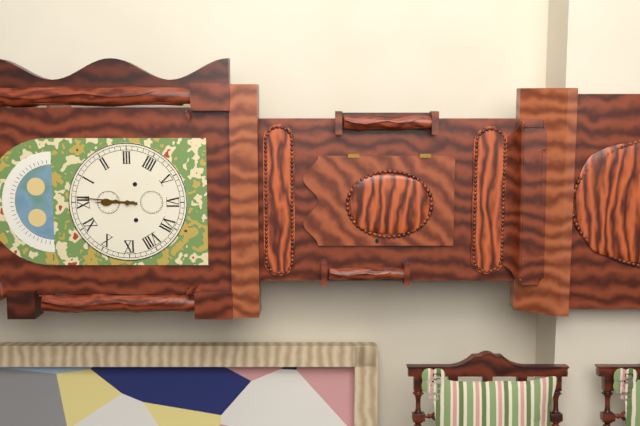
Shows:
{"hour": 12, "minute": 1}
